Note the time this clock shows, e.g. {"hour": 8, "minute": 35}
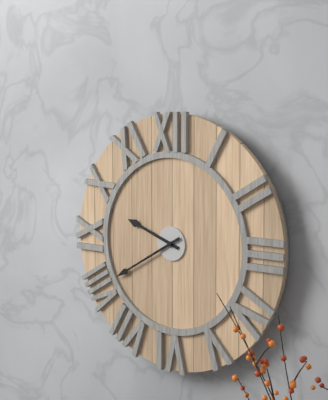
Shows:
{"hour": 9, "minute": 40}
